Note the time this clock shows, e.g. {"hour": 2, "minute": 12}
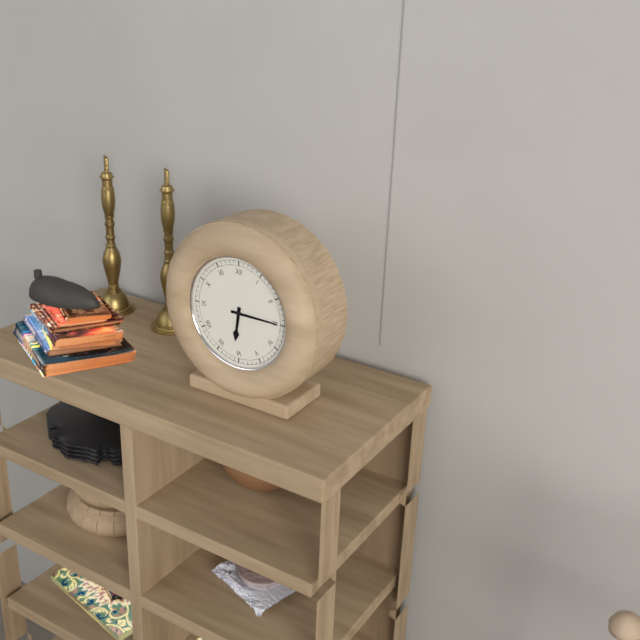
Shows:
{"hour": 6, "minute": 15}
